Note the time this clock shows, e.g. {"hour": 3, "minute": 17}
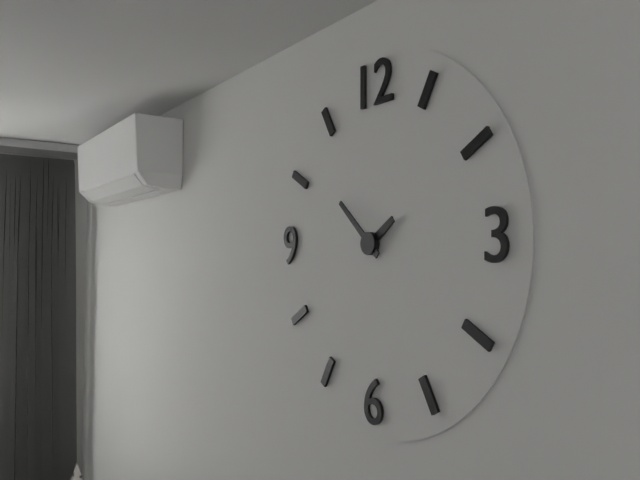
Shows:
{"hour": 1, "minute": 52}
